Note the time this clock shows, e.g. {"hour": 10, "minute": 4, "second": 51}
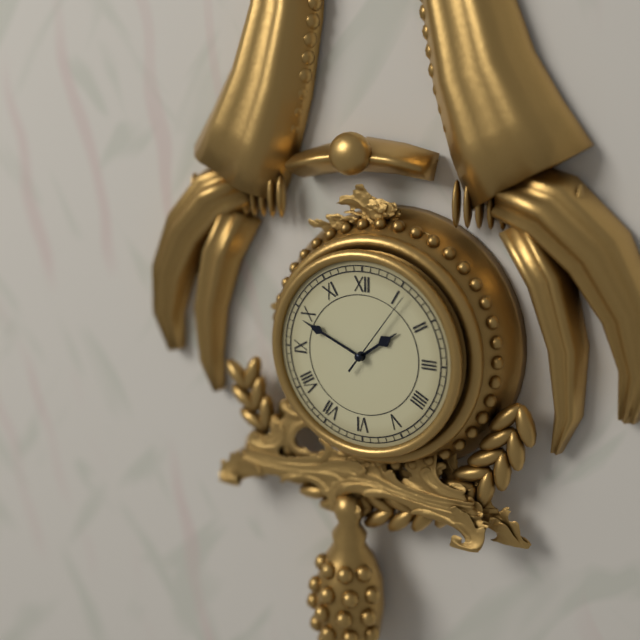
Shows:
{"hour": 1, "minute": 49, "second": 6}
